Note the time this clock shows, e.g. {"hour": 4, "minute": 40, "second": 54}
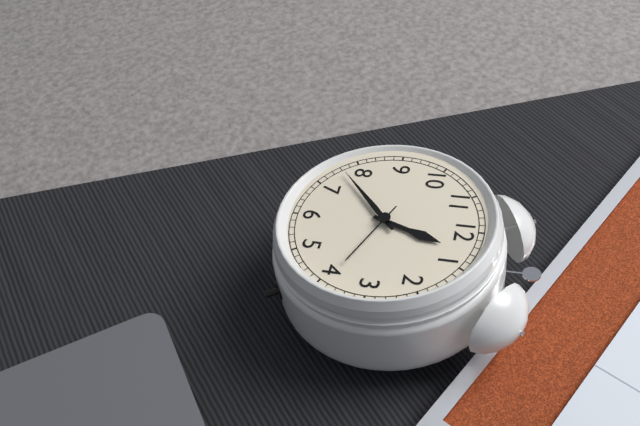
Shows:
{"hour": 12, "minute": 38, "second": 19}
